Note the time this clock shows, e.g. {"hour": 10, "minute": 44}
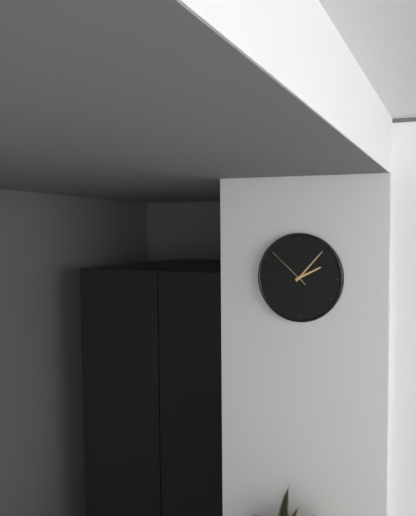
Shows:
{"hour": 2, "minute": 7}
